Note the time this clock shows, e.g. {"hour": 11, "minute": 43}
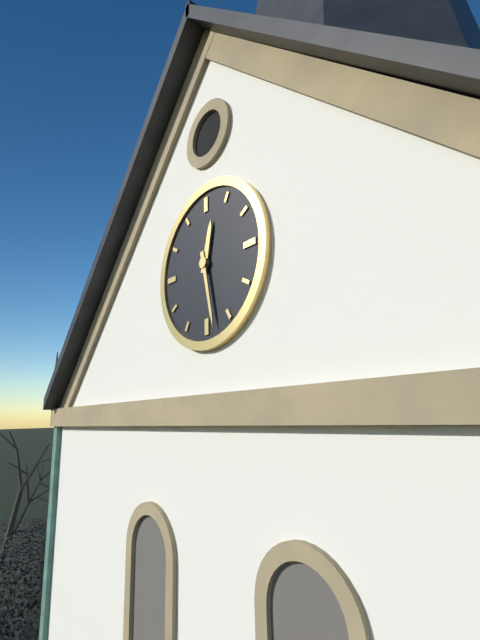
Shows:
{"hour": 12, "minute": 28}
